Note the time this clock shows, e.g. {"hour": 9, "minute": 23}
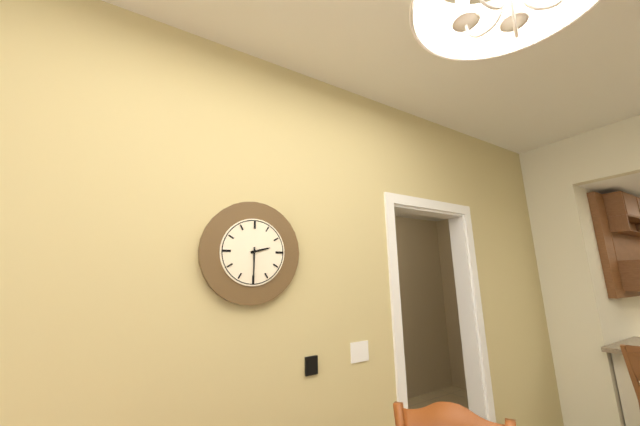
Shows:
{"hour": 2, "minute": 30}
